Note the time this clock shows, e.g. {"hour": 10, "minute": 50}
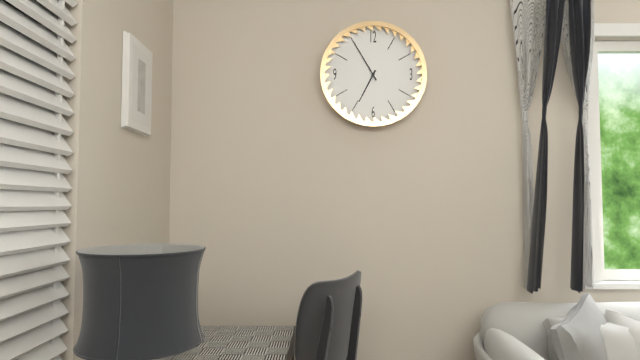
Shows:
{"hour": 6, "minute": 55}
